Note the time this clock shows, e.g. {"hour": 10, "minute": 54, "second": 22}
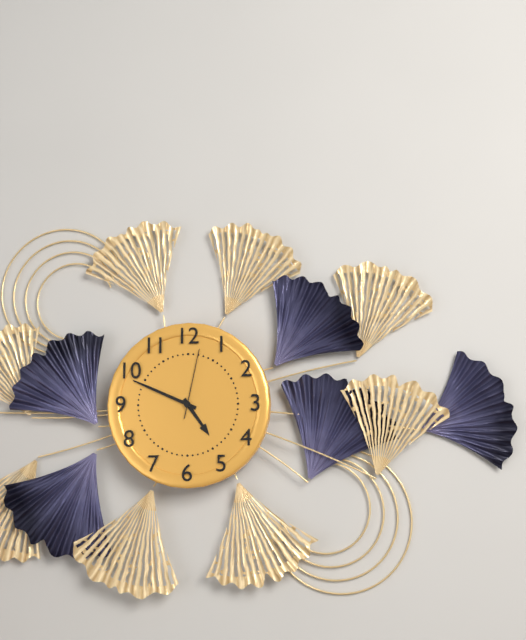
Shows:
{"hour": 4, "minute": 49, "second": 2}
